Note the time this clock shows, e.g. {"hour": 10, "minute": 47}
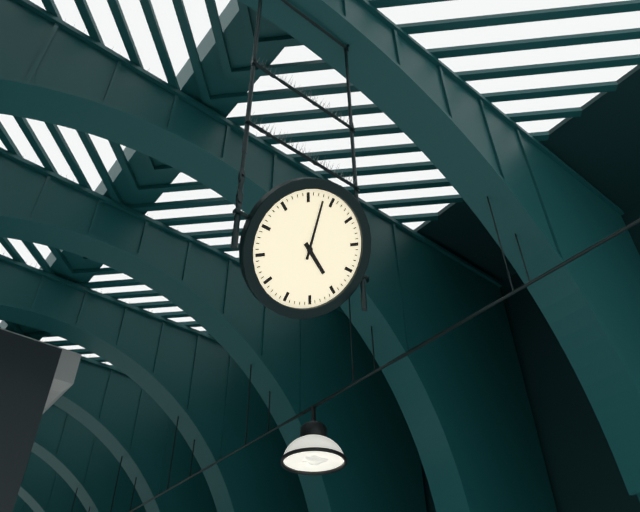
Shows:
{"hour": 3, "minute": 58}
